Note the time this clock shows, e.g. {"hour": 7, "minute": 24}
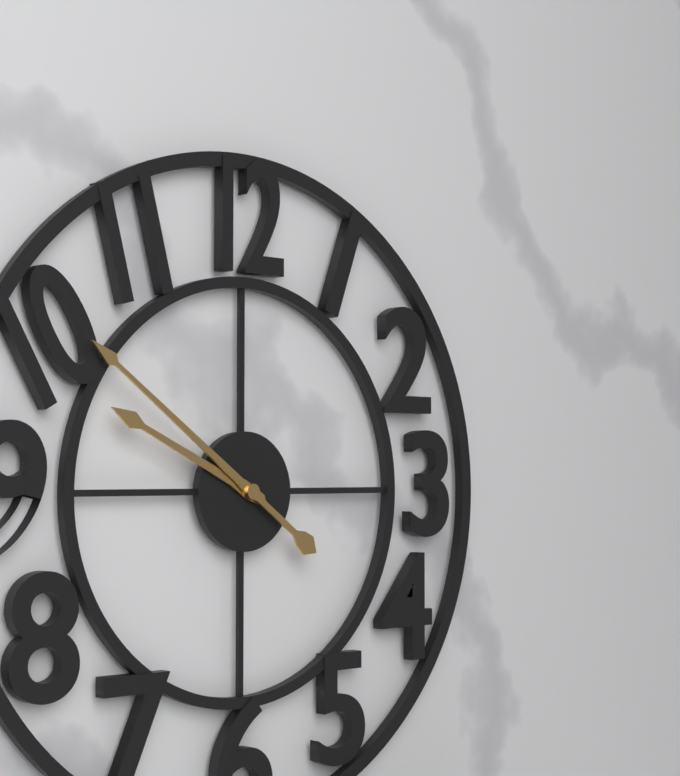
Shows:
{"hour": 9, "minute": 51}
